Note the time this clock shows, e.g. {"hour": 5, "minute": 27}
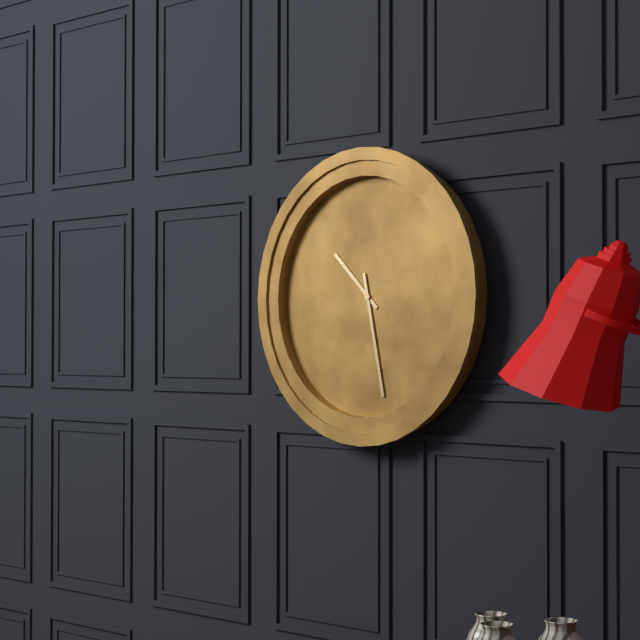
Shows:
{"hour": 10, "minute": 28}
